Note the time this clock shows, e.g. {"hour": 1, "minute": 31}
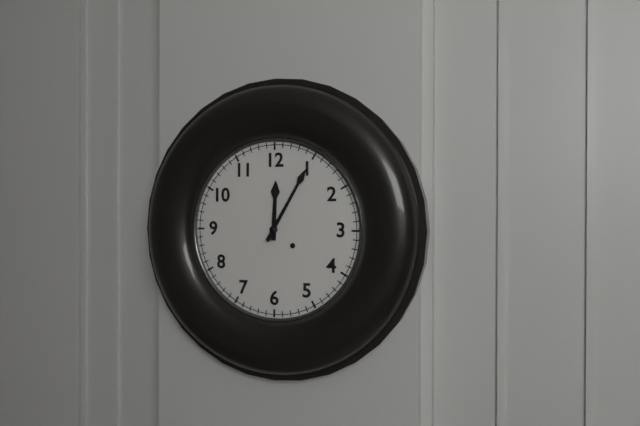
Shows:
{"hour": 12, "minute": 5}
